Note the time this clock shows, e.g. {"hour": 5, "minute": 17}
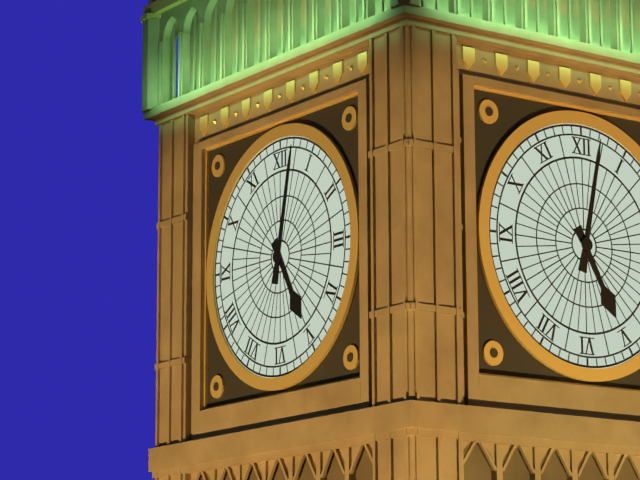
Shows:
{"hour": 5, "minute": 2}
